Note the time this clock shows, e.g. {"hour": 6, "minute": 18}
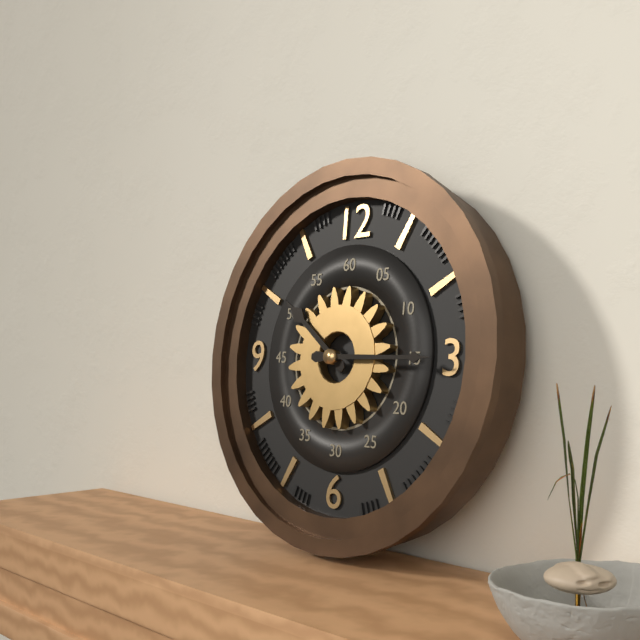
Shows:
{"hour": 10, "minute": 15}
